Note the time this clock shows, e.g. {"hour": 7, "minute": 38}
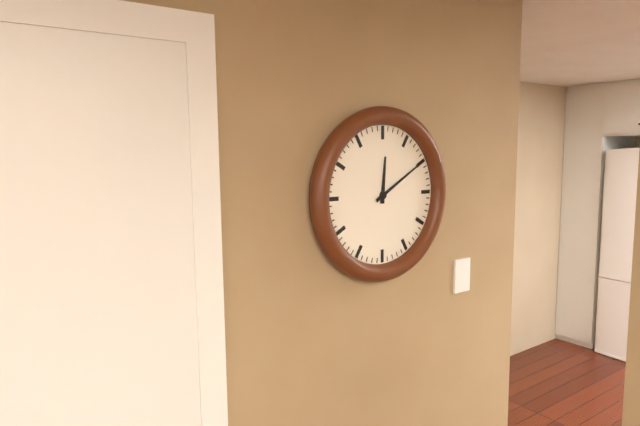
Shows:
{"hour": 12, "minute": 10}
